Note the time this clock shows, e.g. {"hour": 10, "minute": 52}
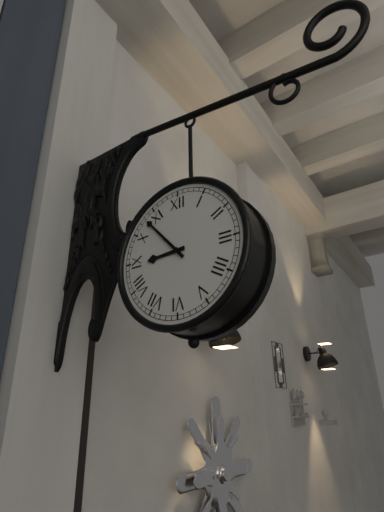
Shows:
{"hour": 8, "minute": 53}
